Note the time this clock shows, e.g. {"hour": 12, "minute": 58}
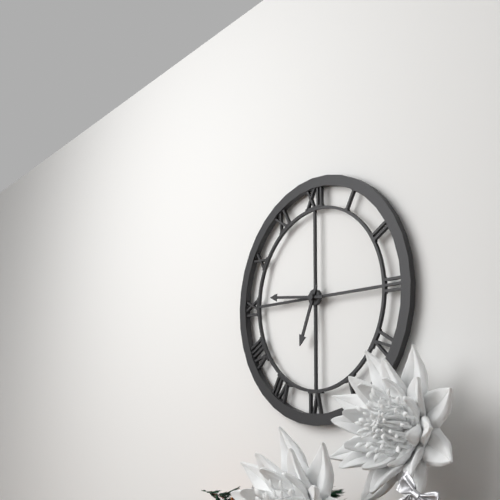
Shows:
{"hour": 6, "minute": 46}
